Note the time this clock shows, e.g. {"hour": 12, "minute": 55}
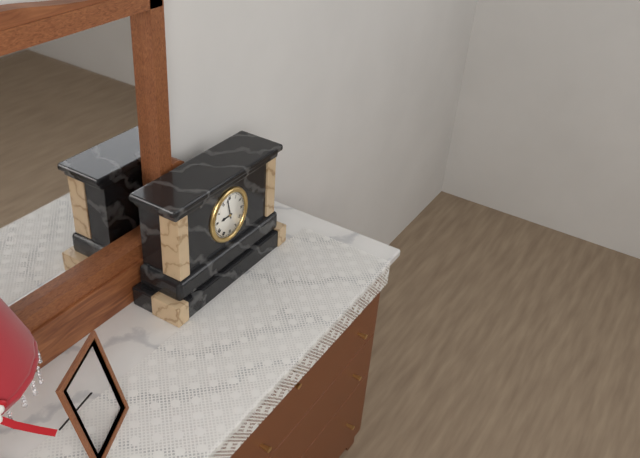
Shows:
{"hour": 8, "minute": 58}
